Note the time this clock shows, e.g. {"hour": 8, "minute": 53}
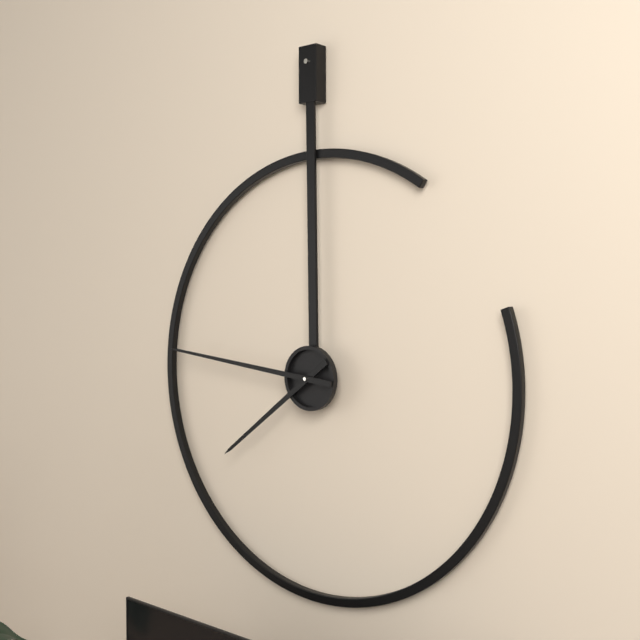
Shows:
{"hour": 7, "minute": 46}
